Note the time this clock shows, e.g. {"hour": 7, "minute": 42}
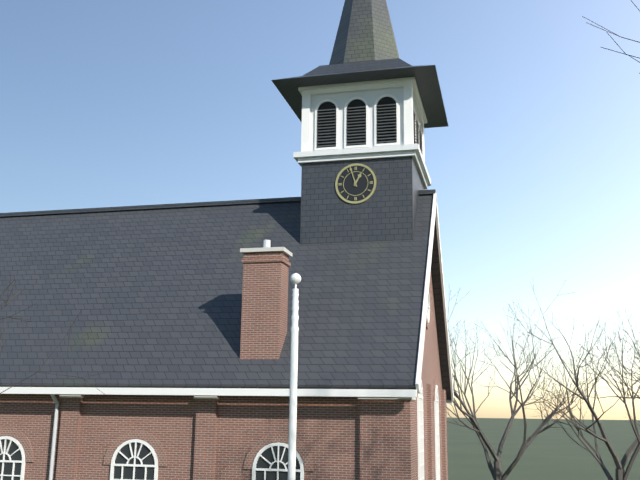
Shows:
{"hour": 12, "minute": 57}
